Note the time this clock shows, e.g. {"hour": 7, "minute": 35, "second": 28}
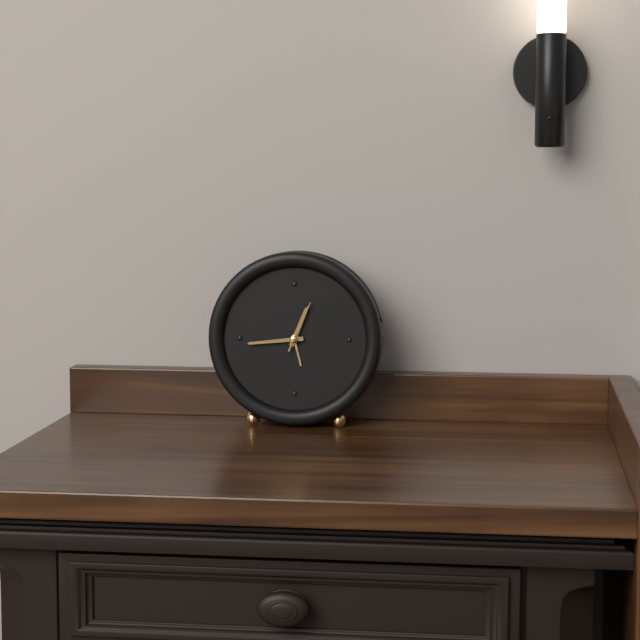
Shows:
{"hour": 12, "minute": 44, "second": 4}
